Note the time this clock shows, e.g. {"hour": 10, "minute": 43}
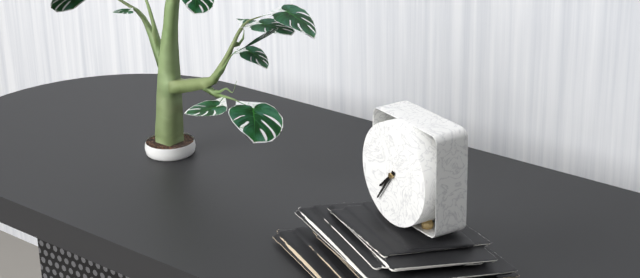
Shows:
{"hour": 7, "minute": 36}
